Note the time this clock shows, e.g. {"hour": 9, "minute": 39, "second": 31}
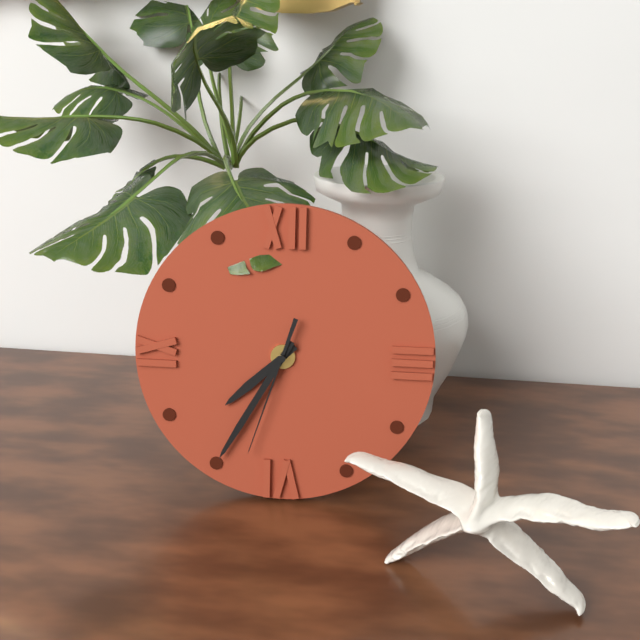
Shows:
{"hour": 7, "minute": 35, "second": 33}
